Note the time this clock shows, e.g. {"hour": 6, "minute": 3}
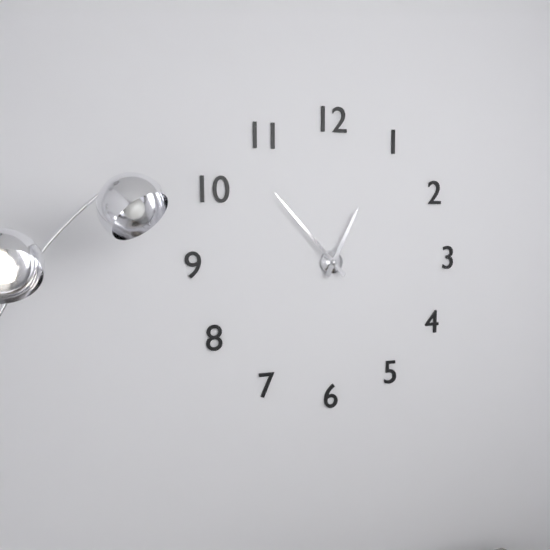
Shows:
{"hour": 12, "minute": 53}
